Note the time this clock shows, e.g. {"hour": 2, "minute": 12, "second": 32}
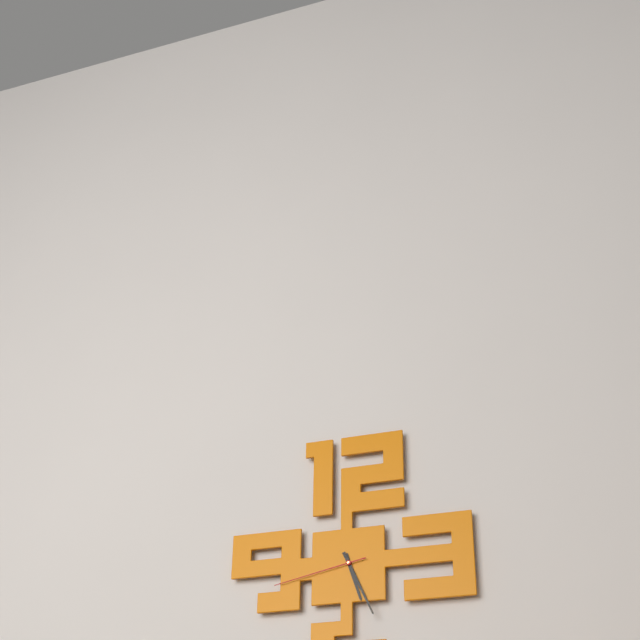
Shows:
{"hour": 5, "minute": 26, "second": 43}
